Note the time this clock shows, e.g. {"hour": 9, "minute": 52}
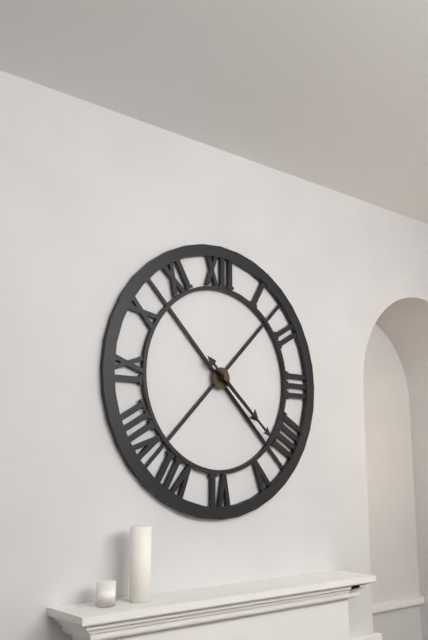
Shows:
{"hour": 4, "minute": 22}
